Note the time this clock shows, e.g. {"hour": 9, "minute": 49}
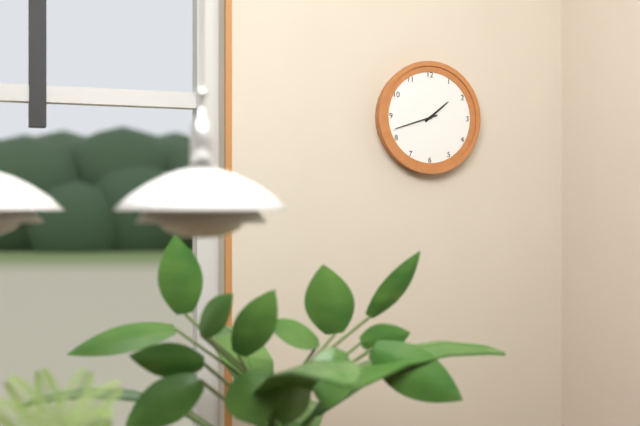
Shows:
{"hour": 1, "minute": 42}
